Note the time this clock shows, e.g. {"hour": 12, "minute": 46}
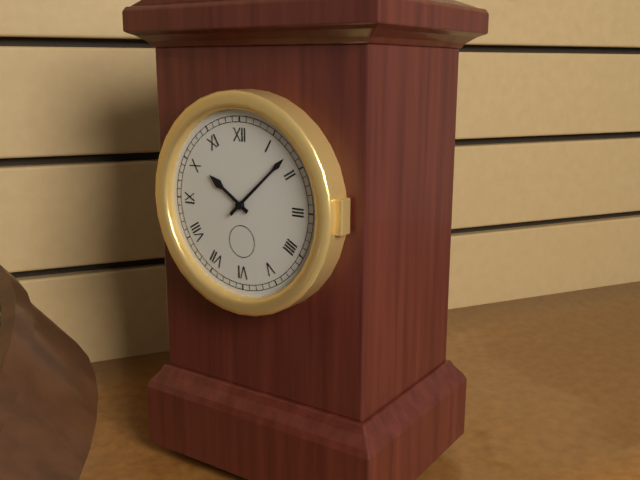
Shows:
{"hour": 10, "minute": 8}
